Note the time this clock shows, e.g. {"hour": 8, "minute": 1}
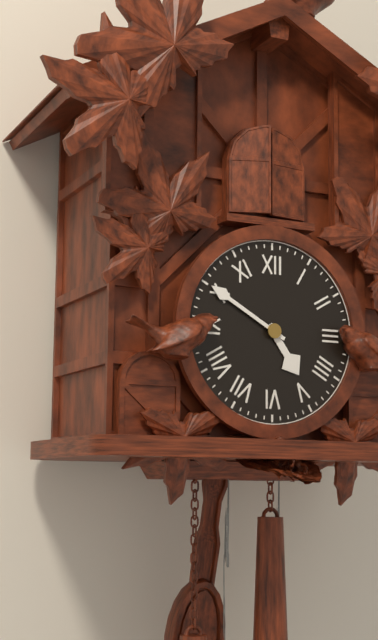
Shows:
{"hour": 4, "minute": 50}
